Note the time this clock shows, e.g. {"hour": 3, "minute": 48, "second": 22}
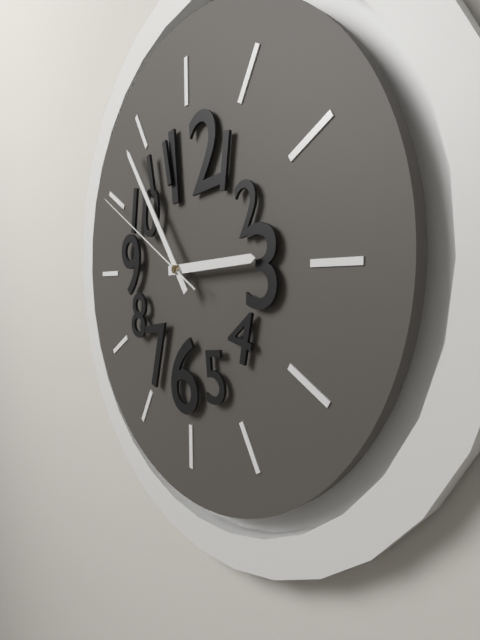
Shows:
{"hour": 2, "minute": 54, "second": 50}
